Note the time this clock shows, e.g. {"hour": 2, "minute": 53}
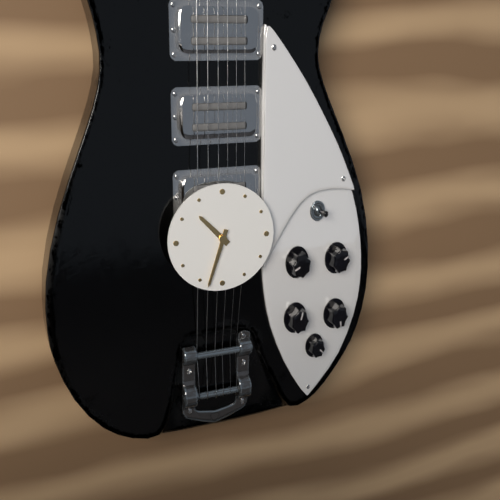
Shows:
{"hour": 10, "minute": 33}
